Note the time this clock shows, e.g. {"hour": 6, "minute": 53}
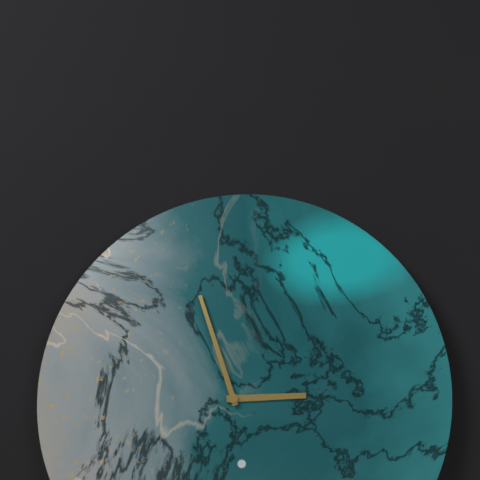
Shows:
{"hour": 2, "minute": 57}
